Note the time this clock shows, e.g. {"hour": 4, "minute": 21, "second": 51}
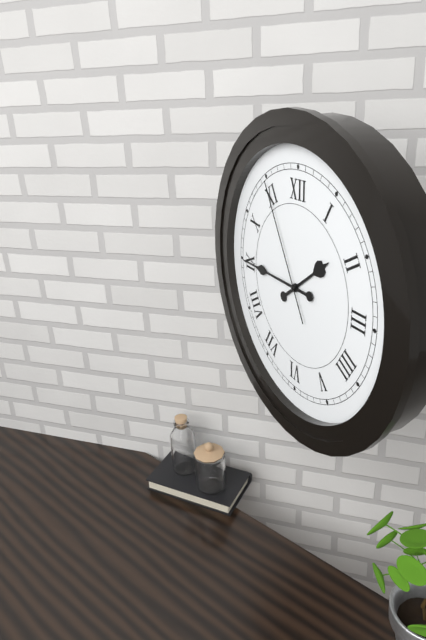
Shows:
{"hour": 1, "minute": 45, "second": 55}
